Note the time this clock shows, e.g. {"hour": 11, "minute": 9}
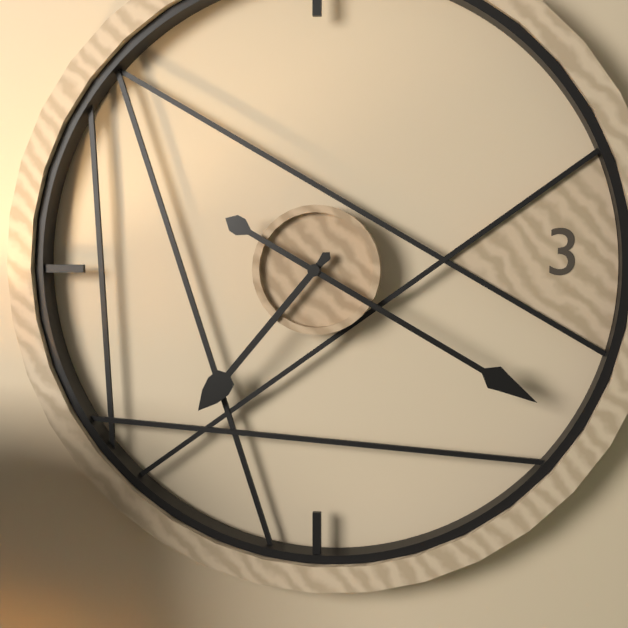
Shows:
{"hour": 7, "minute": 20}
